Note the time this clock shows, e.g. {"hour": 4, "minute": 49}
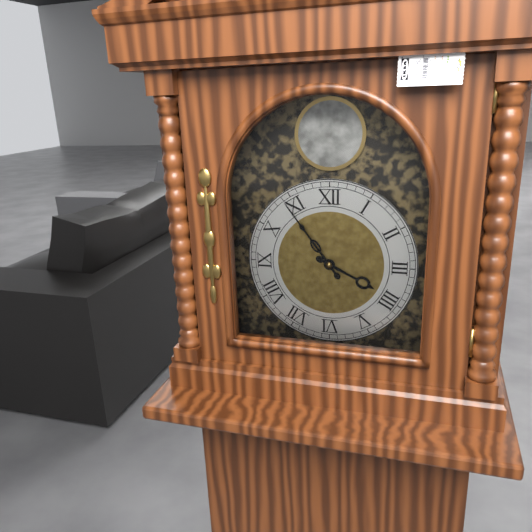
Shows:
{"hour": 3, "minute": 54}
